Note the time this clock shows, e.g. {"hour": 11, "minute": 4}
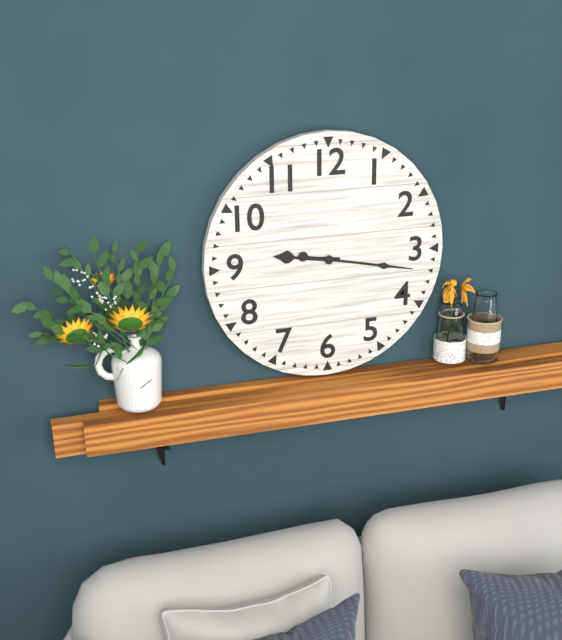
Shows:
{"hour": 9, "minute": 17}
